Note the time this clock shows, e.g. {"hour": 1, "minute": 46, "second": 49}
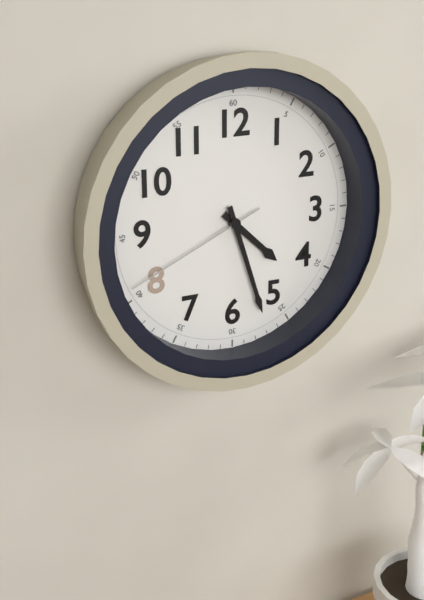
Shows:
{"hour": 4, "minute": 27, "second": 41}
